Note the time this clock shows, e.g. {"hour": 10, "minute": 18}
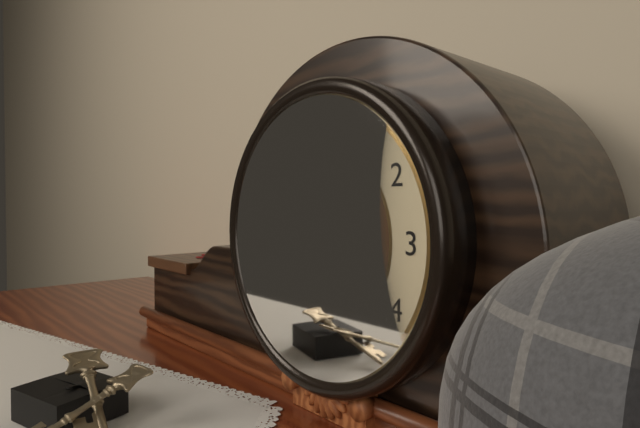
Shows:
{"hour": 10, "minute": 1}
